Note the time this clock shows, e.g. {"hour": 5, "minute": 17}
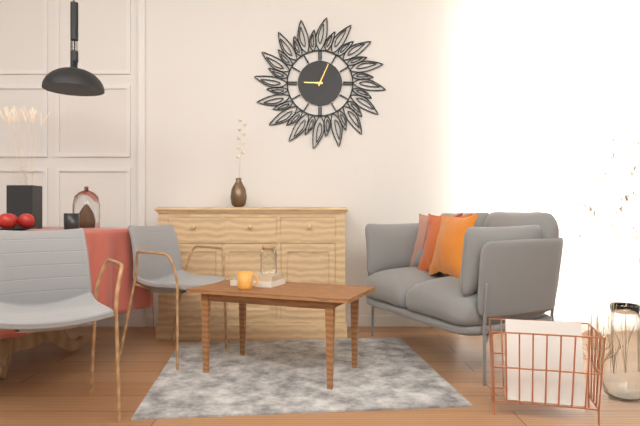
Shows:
{"hour": 9, "minute": 4}
